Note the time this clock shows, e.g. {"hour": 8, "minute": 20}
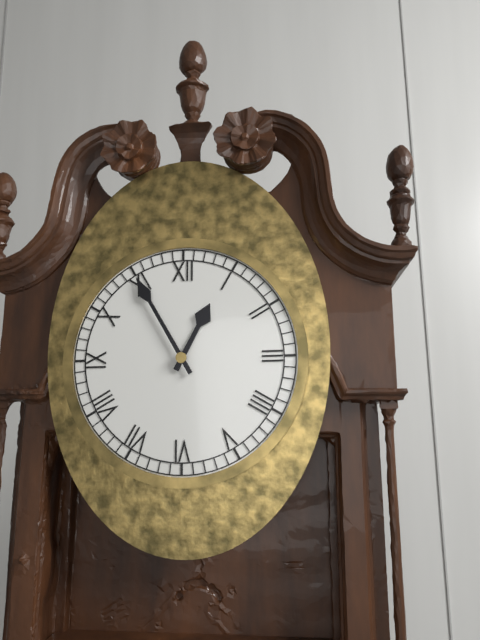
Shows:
{"hour": 12, "minute": 55}
